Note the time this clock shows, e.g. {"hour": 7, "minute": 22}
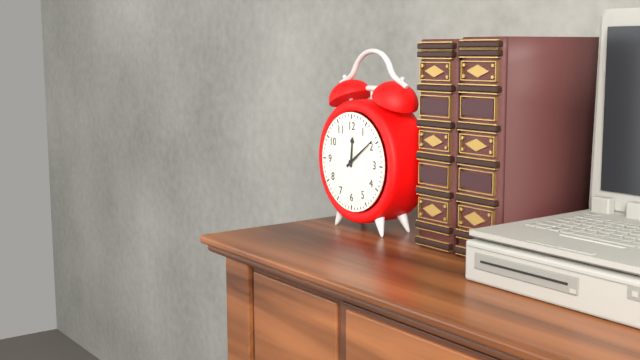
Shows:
{"hour": 12, "minute": 9}
